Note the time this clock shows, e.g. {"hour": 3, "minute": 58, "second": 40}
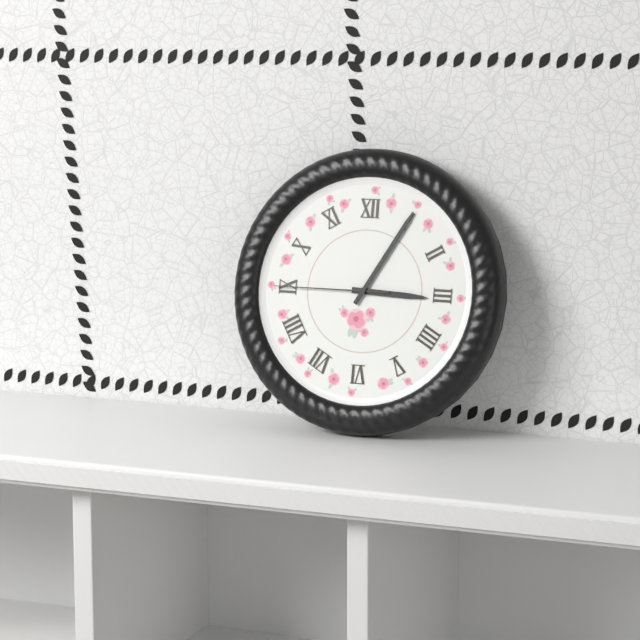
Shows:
{"hour": 3, "minute": 5, "second": 45}
